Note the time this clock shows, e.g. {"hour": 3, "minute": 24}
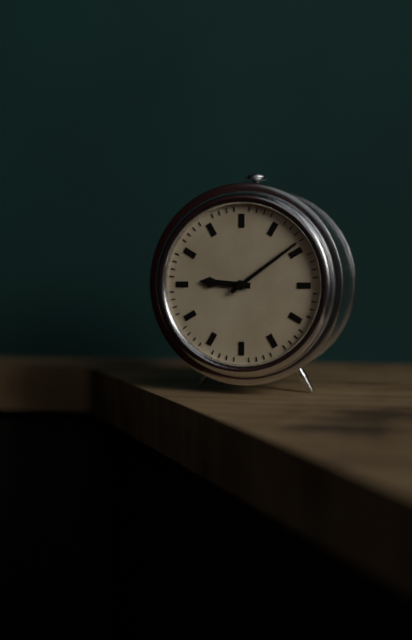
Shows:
{"hour": 9, "minute": 9}
